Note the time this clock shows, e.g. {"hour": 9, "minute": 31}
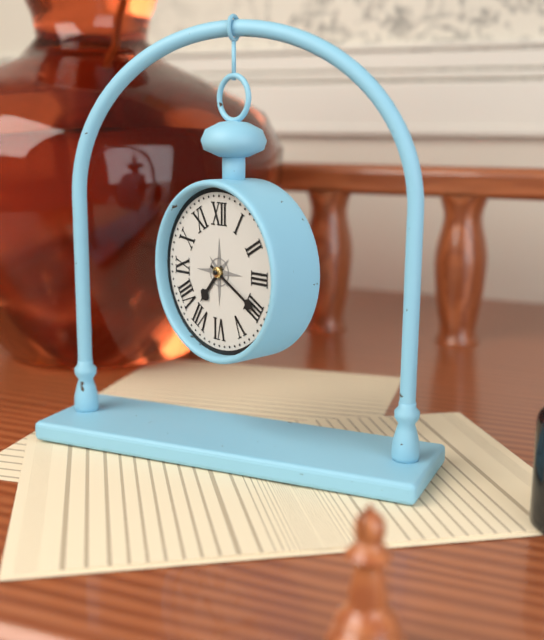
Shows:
{"hour": 7, "minute": 20}
